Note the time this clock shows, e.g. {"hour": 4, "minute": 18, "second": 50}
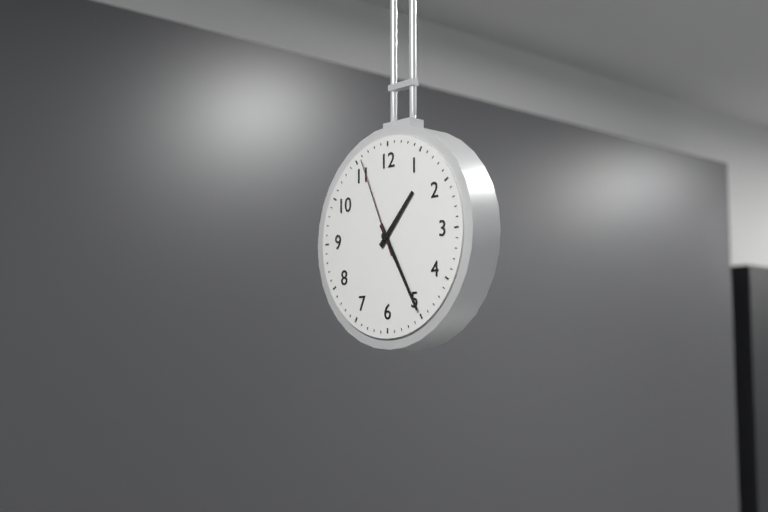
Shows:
{"hour": 1, "minute": 25, "second": 56}
